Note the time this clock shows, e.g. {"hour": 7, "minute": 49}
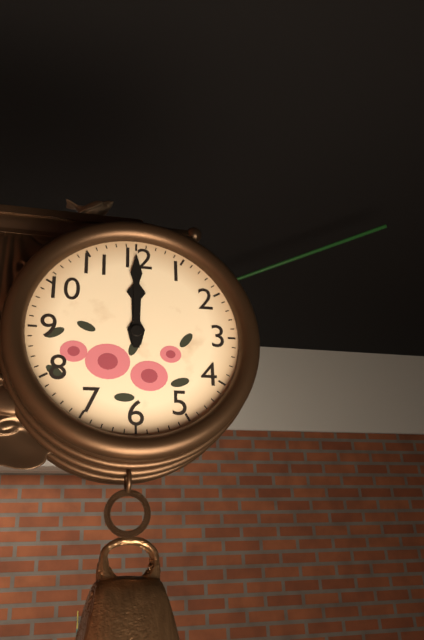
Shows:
{"hour": 12, "minute": 0}
